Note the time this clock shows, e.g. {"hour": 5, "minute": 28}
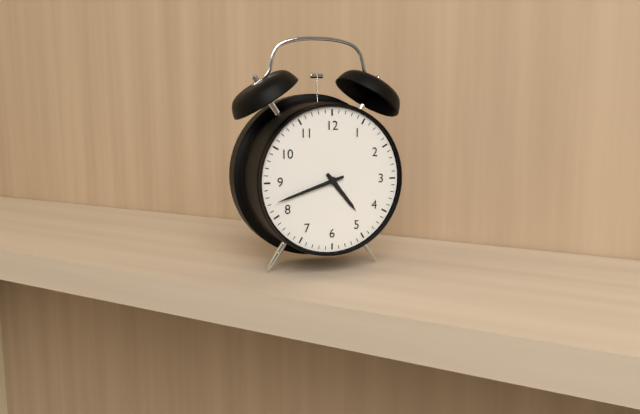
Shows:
{"hour": 4, "minute": 42}
